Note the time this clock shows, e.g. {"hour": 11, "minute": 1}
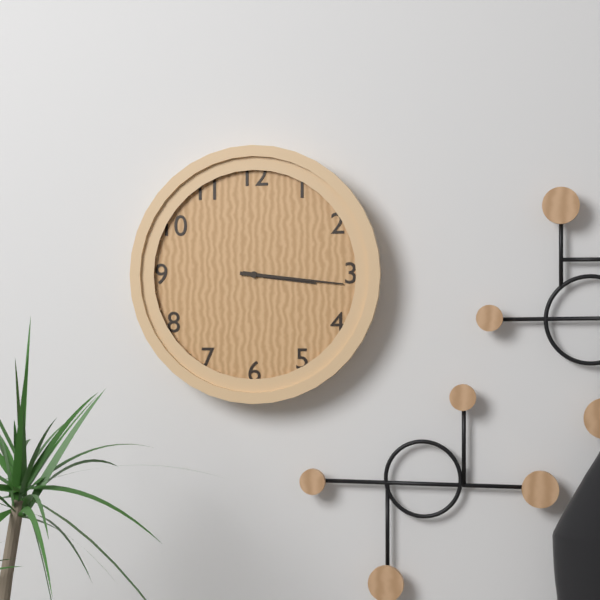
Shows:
{"hour": 3, "minute": 16}
